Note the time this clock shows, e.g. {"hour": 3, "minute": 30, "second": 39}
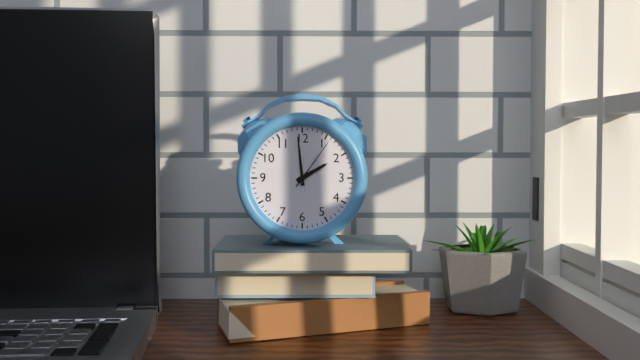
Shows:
{"hour": 1, "minute": 59, "second": 6}
